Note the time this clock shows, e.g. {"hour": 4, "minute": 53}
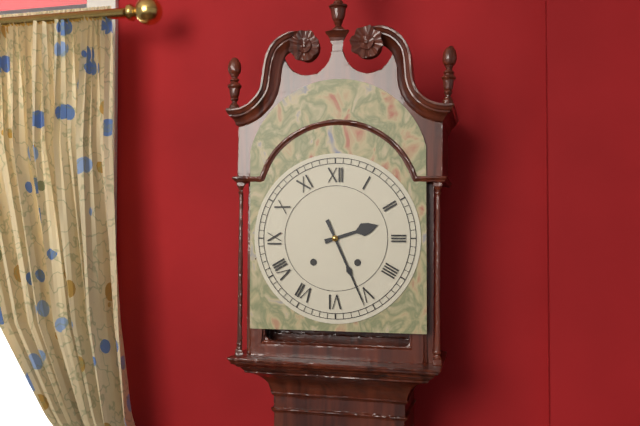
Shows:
{"hour": 2, "minute": 26}
